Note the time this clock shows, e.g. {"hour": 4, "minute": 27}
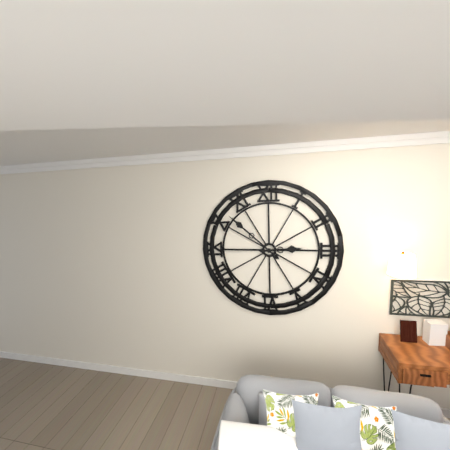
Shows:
{"hour": 2, "minute": 52}
